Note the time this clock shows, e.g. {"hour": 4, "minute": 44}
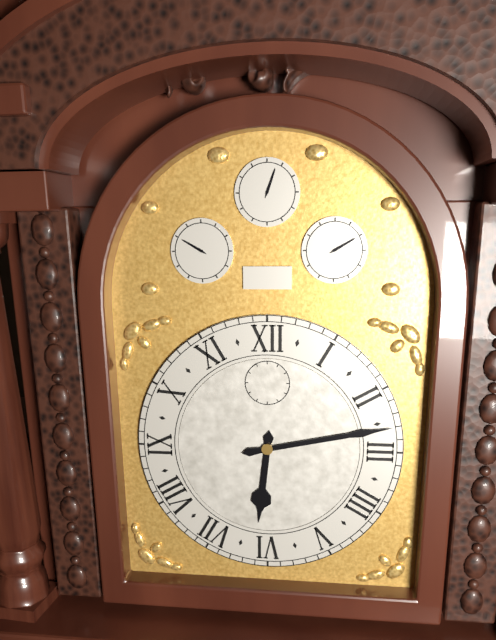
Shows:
{"hour": 6, "minute": 13}
